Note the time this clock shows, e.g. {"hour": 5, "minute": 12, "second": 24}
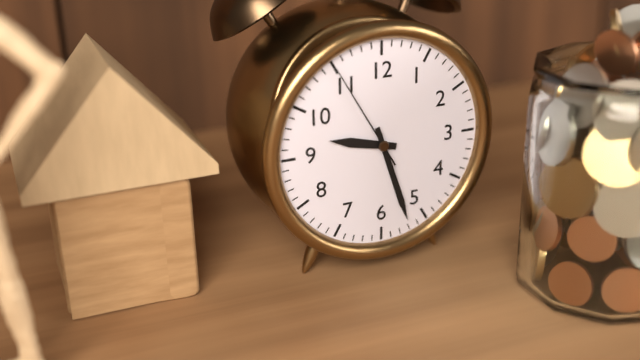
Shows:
{"hour": 9, "minute": 27, "second": 55}
